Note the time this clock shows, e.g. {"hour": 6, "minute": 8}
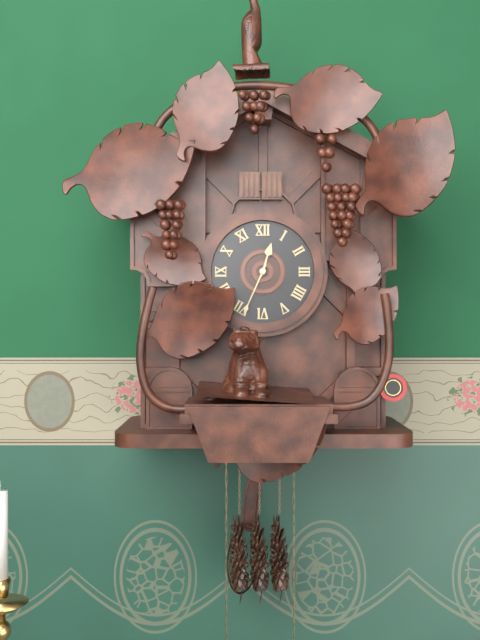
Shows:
{"hour": 12, "minute": 34}
